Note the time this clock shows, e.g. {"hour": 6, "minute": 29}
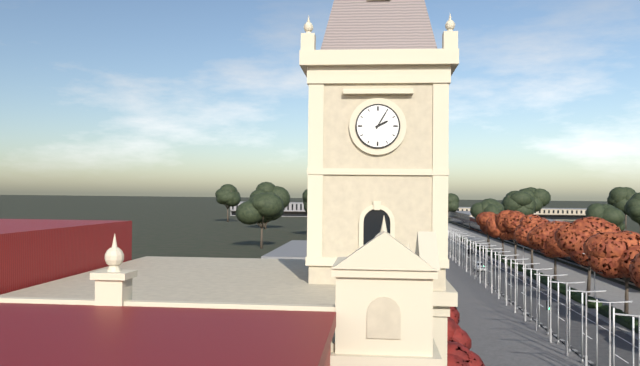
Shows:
{"hour": 2, "minute": 5}
